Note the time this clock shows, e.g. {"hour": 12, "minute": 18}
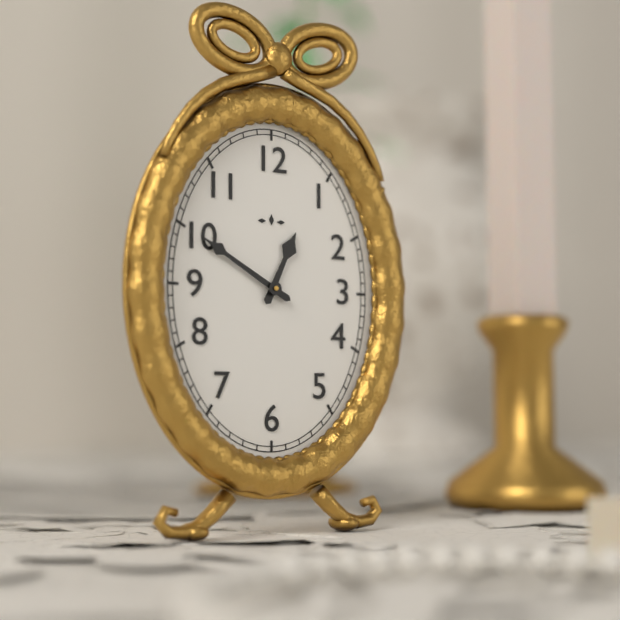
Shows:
{"hour": 12, "minute": 50}
